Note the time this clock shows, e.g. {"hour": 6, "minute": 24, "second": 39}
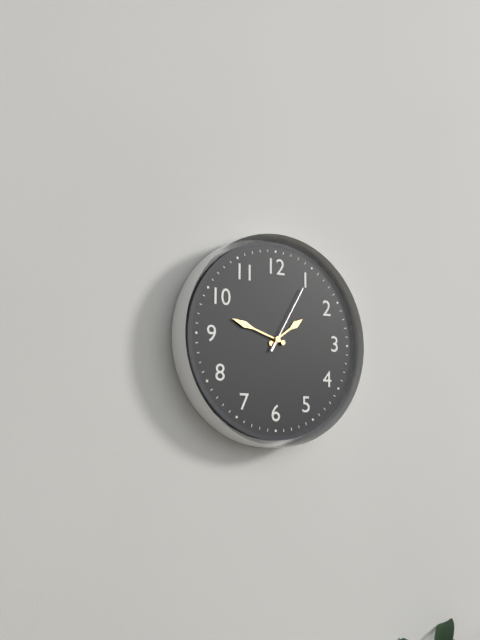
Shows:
{"hour": 1, "minute": 48, "second": 5}
